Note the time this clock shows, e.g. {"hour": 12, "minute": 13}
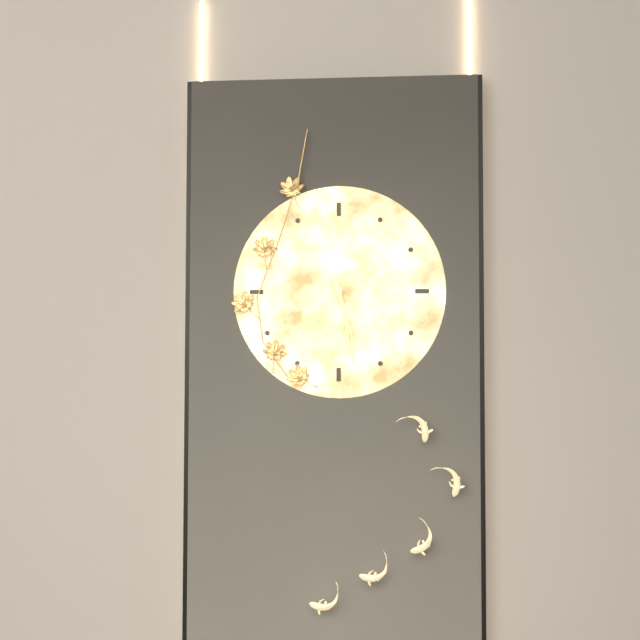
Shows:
{"hour": 5, "minute": 28}
